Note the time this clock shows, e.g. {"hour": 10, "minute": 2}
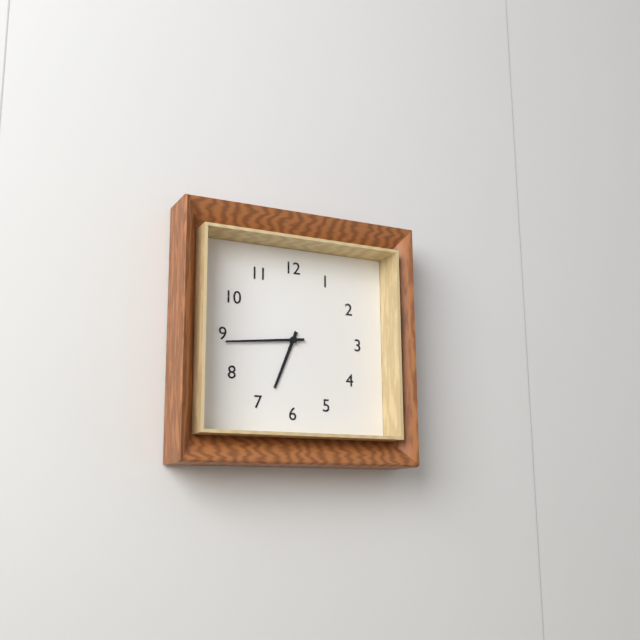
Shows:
{"hour": 6, "minute": 44}
